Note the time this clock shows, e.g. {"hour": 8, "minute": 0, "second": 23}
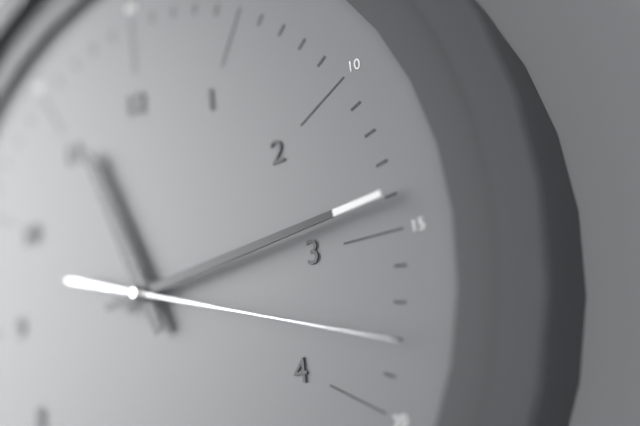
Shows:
{"hour": 11, "minute": 14, "second": 18}
